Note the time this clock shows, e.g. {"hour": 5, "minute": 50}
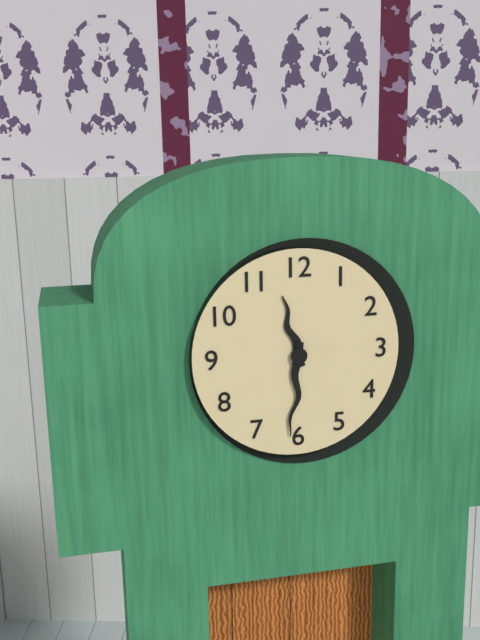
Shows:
{"hour": 11, "minute": 31}
